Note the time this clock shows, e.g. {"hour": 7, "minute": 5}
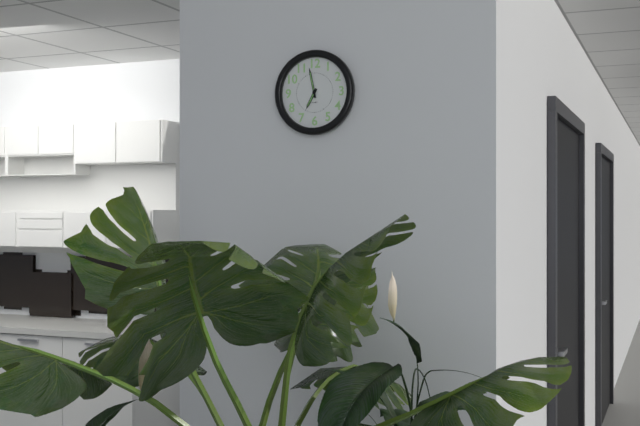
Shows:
{"hour": 6, "minute": 58}
